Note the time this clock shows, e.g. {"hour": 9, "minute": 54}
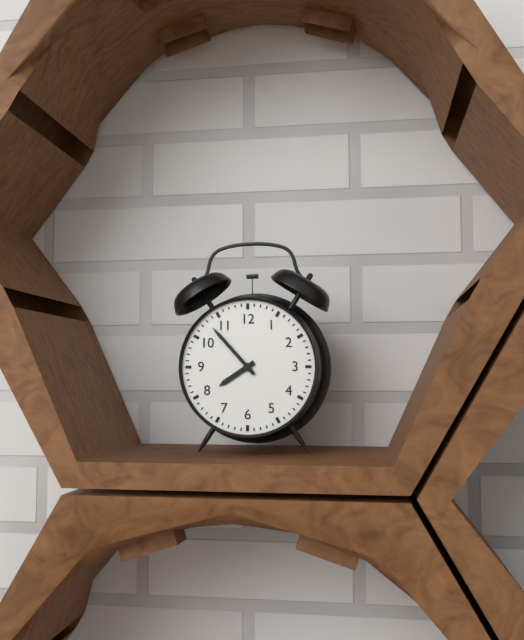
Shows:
{"hour": 7, "minute": 53}
